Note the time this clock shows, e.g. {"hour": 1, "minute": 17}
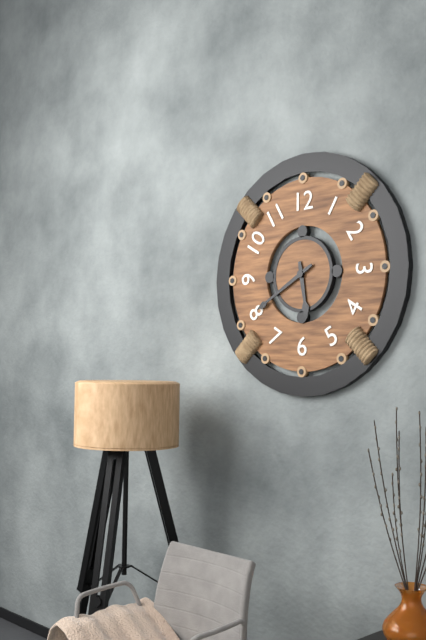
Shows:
{"hour": 5, "minute": 40}
